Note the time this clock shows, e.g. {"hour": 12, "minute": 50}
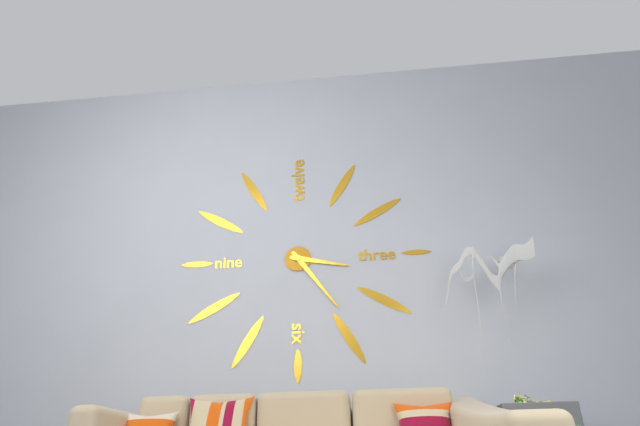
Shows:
{"hour": 3, "minute": 24}
